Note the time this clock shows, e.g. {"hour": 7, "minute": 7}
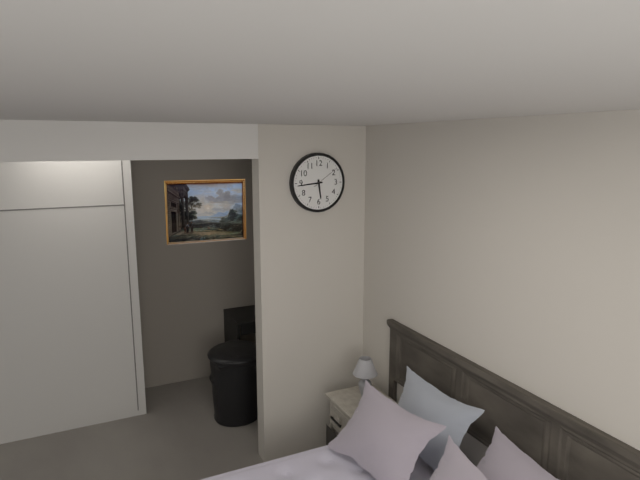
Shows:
{"hour": 5, "minute": 44}
